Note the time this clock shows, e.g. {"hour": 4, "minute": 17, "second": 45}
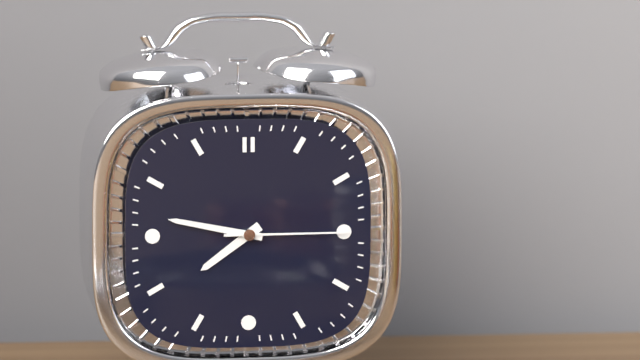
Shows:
{"hour": 7, "minute": 47, "second": 15}
